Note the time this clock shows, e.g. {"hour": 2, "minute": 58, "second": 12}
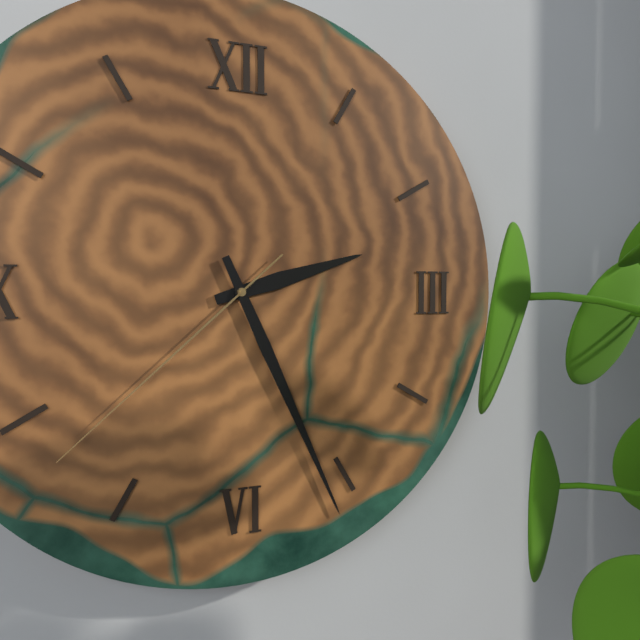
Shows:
{"hour": 2, "minute": 26, "second": 38}
